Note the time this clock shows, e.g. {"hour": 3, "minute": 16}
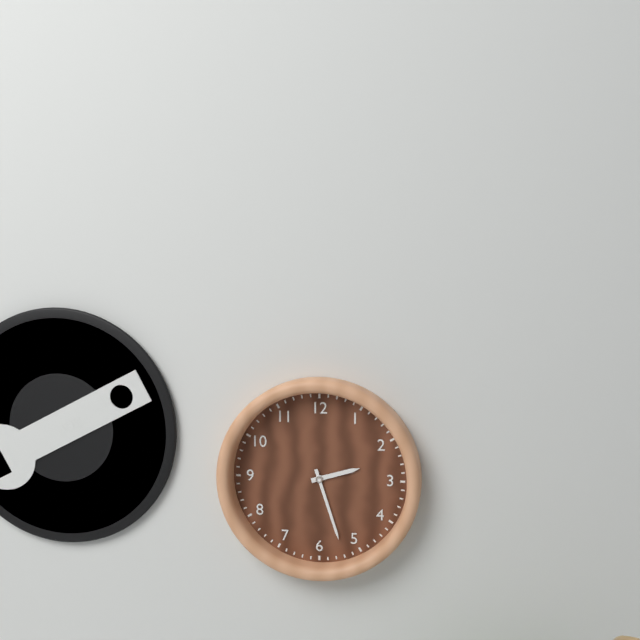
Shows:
{"hour": 2, "minute": 27}
